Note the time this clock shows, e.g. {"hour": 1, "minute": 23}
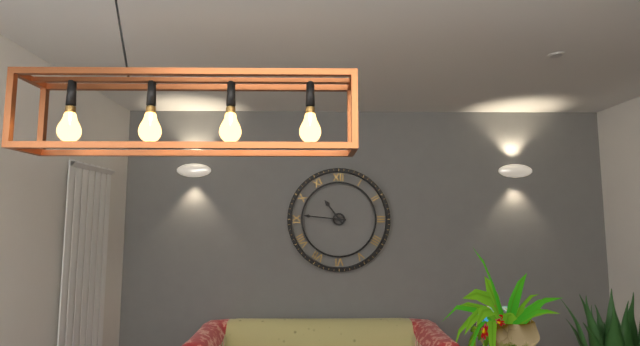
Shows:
{"hour": 10, "minute": 46}
